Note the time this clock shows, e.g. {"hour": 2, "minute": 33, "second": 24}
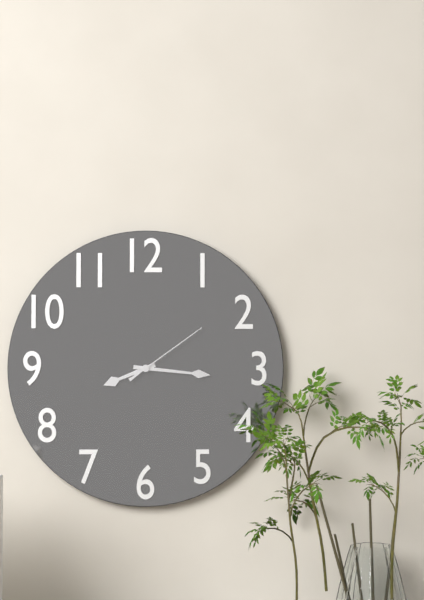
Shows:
{"hour": 8, "minute": 16, "second": 9}
